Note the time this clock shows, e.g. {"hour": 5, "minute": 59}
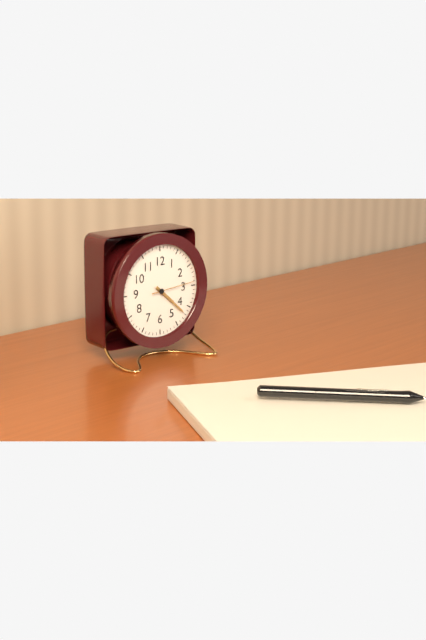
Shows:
{"hour": 4, "minute": 22}
